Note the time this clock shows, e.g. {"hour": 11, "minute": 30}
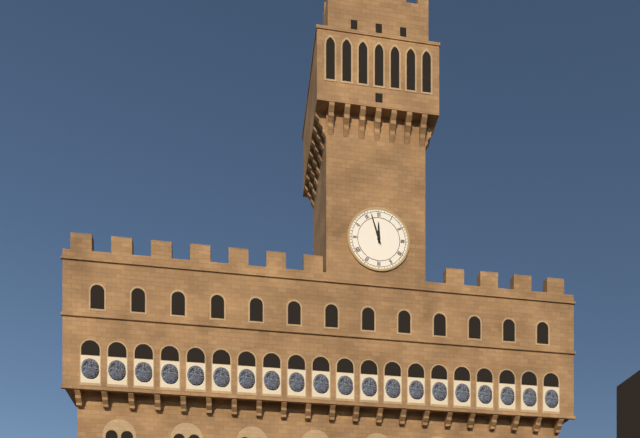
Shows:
{"hour": 11, "minute": 57}
